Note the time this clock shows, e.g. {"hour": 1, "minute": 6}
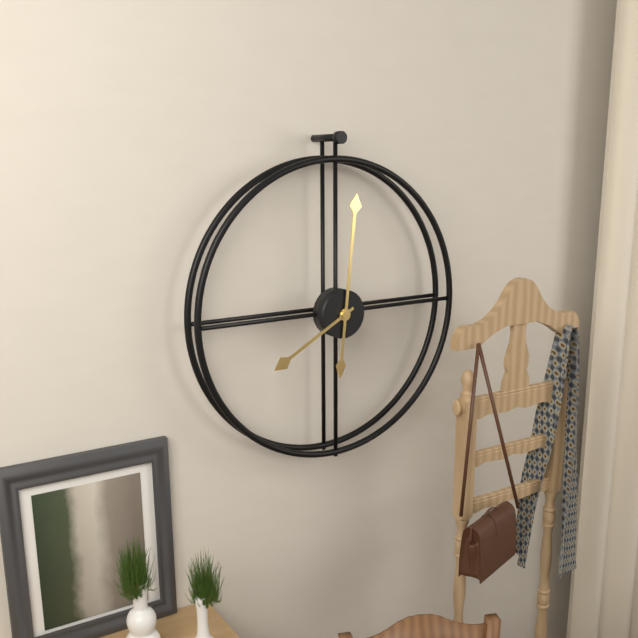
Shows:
{"hour": 8, "minute": 1}
